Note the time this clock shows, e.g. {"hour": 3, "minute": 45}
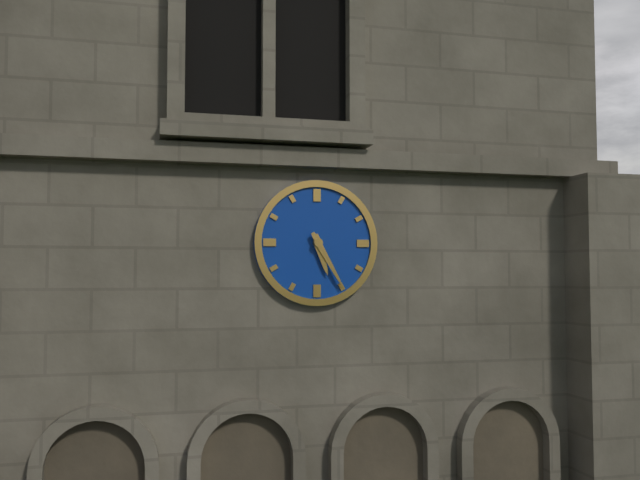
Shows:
{"hour": 5, "minute": 25}
